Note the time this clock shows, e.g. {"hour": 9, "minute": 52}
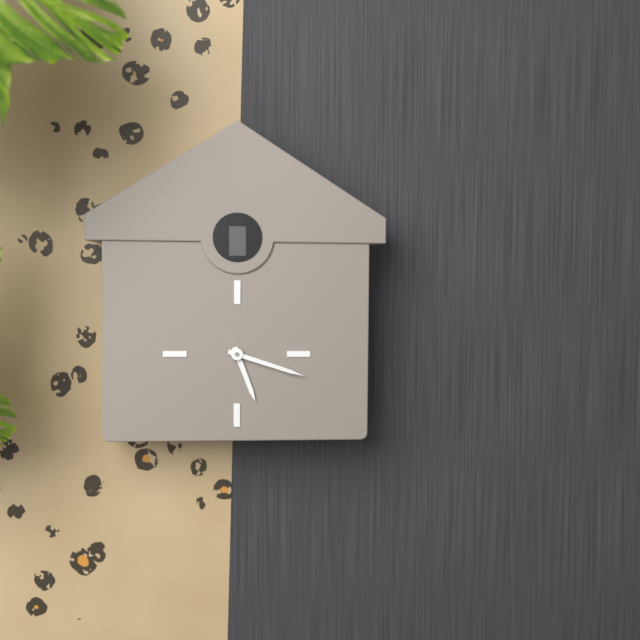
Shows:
{"hour": 5, "minute": 18}
